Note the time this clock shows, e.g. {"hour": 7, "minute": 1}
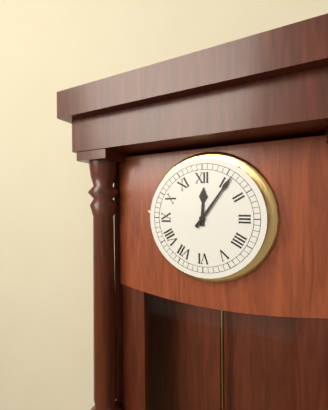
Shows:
{"hour": 12, "minute": 6}
